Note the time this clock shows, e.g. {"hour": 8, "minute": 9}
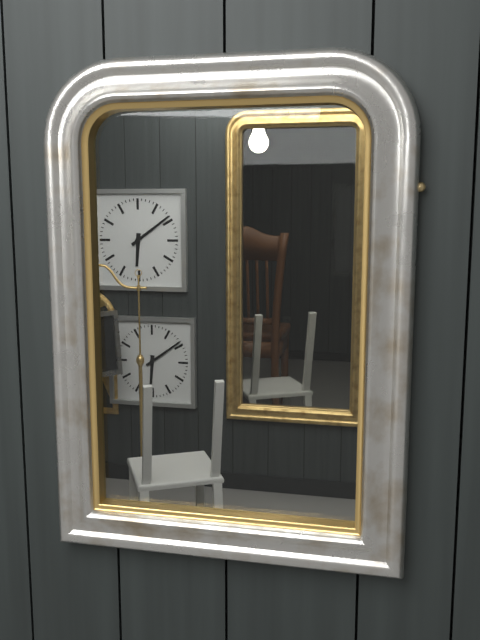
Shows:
{"hour": 6, "minute": 9}
